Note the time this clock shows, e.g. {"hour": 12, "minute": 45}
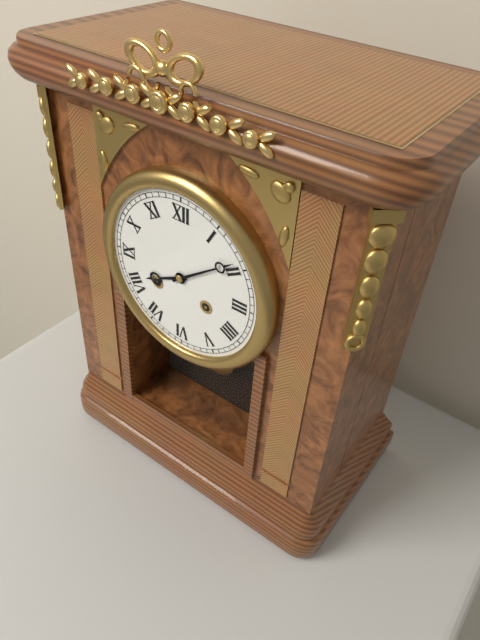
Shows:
{"hour": 8, "minute": 9}
